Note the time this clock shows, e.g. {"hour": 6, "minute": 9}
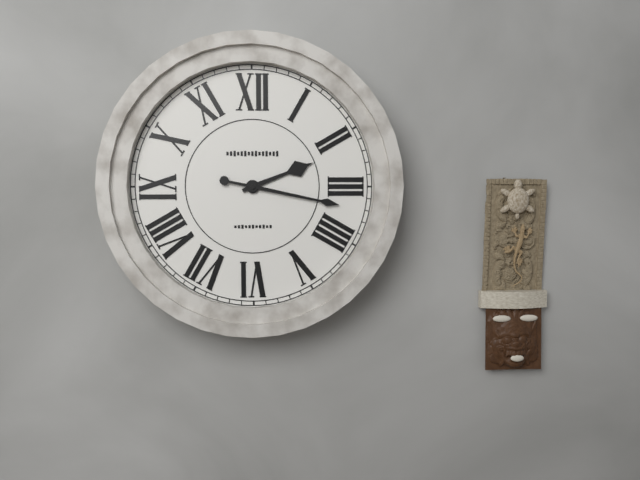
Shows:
{"hour": 2, "minute": 17}
